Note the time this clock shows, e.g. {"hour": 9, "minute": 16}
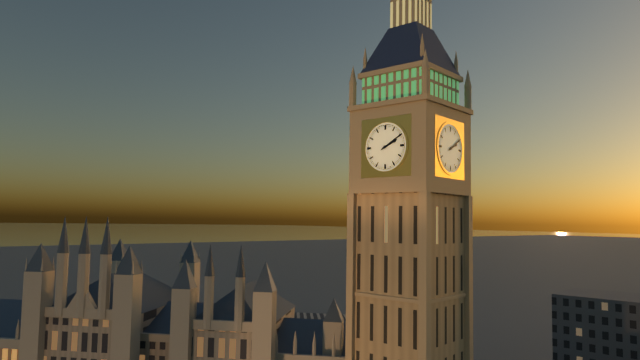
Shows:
{"hour": 2, "minute": 10}
